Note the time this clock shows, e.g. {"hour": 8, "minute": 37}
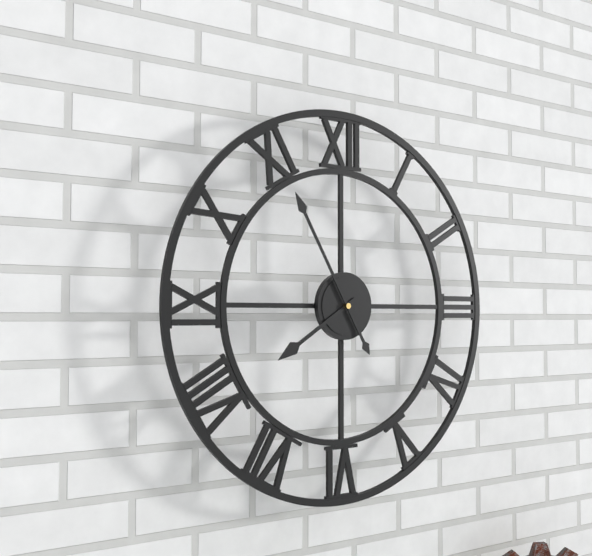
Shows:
{"hour": 7, "minute": 55}
